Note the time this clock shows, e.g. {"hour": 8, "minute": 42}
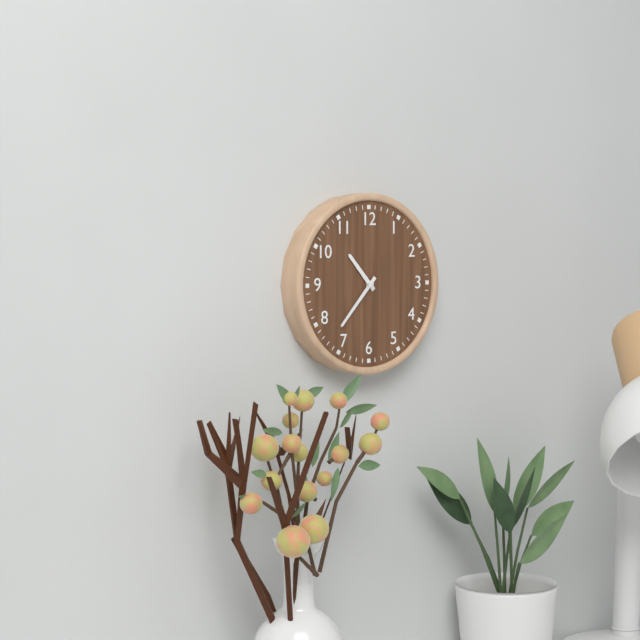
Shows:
{"hour": 10, "minute": 37}
